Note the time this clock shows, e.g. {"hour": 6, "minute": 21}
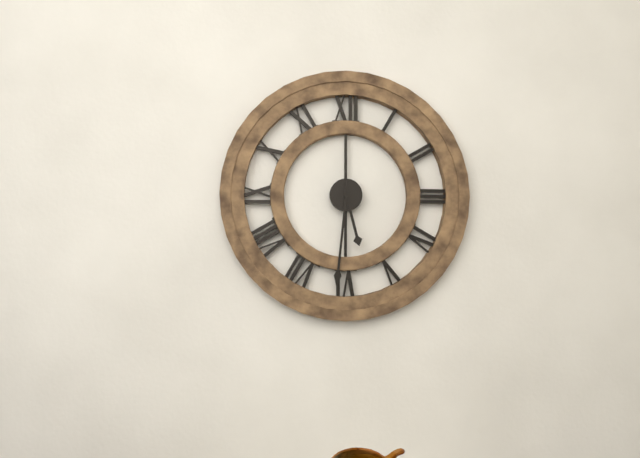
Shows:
{"hour": 5, "minute": 31}
